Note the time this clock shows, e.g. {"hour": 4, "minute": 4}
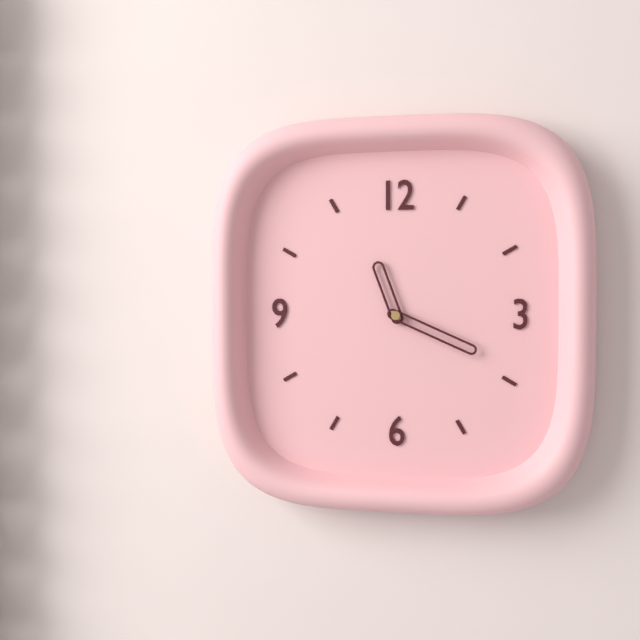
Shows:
{"hour": 11, "minute": 19}
